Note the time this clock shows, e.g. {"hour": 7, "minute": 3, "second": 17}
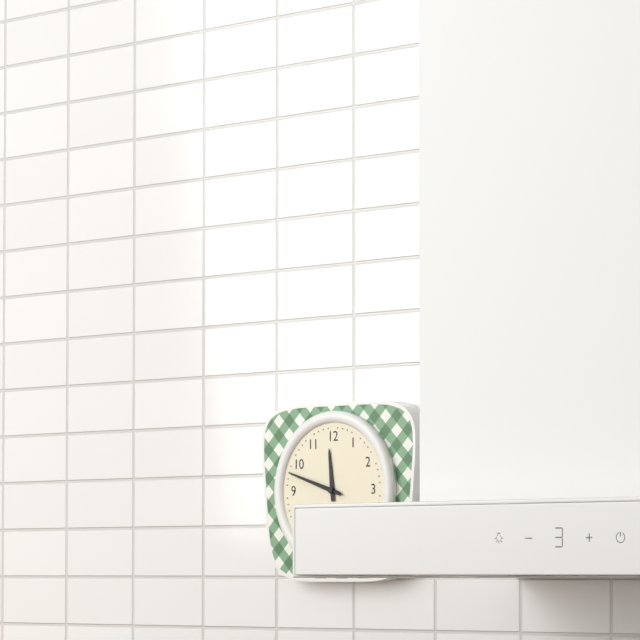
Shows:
{"hour": 11, "minute": 48, "second": 48}
